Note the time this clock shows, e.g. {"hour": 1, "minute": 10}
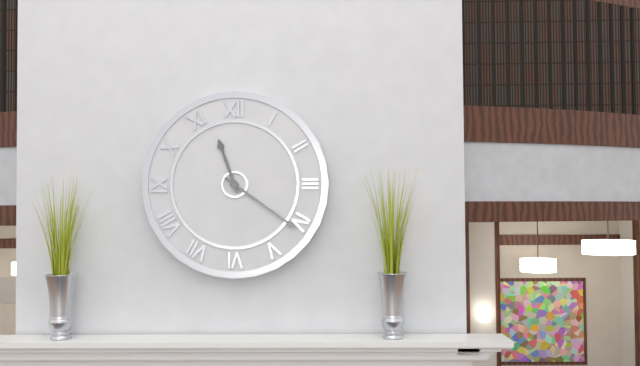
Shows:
{"hour": 11, "minute": 21}
